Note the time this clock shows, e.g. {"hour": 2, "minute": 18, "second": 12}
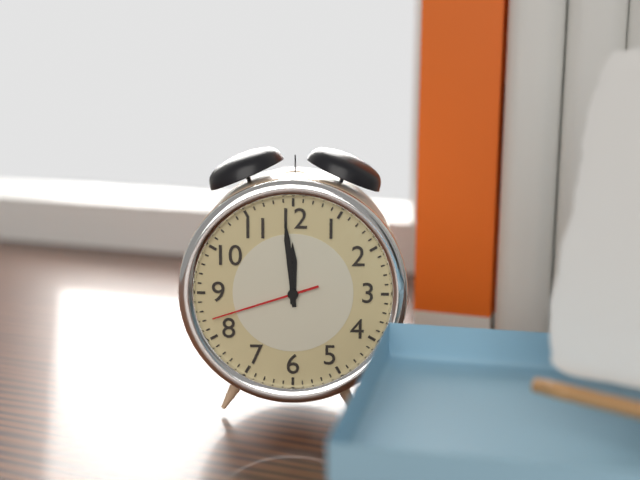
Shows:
{"hour": 11, "minute": 59, "second": 42}
